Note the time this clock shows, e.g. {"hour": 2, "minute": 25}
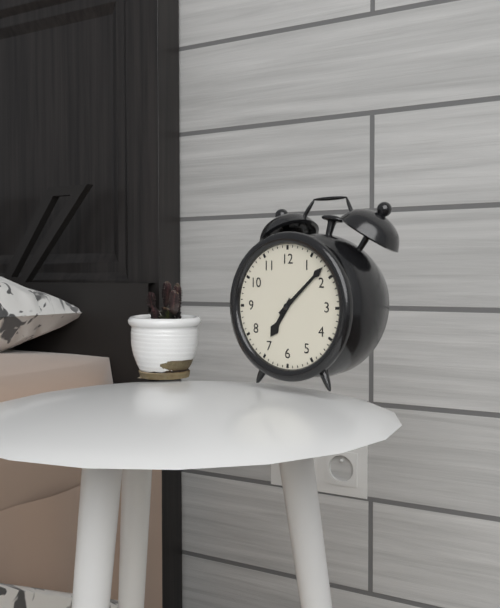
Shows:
{"hour": 7, "minute": 8}
